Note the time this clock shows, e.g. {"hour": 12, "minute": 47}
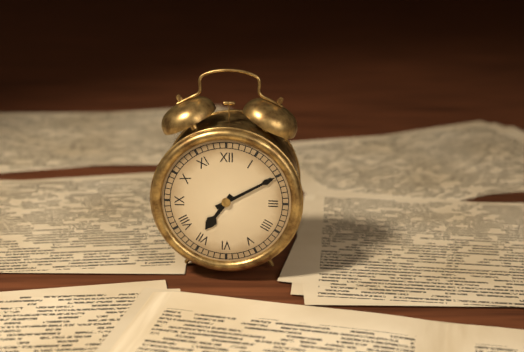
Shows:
{"hour": 7, "minute": 10}
